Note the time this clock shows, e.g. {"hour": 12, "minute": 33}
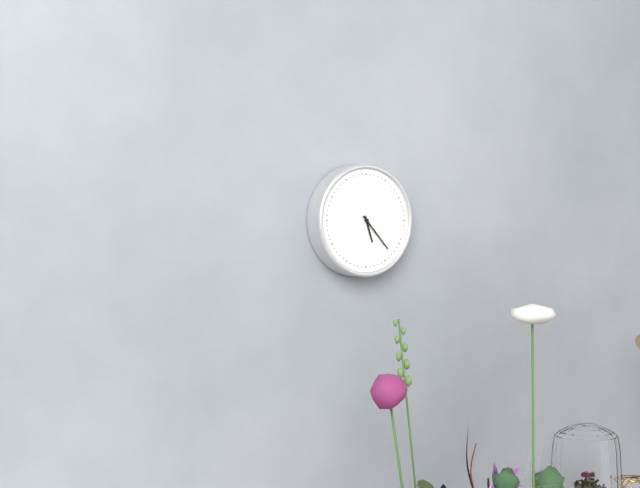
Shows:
{"hour": 5, "minute": 23}
